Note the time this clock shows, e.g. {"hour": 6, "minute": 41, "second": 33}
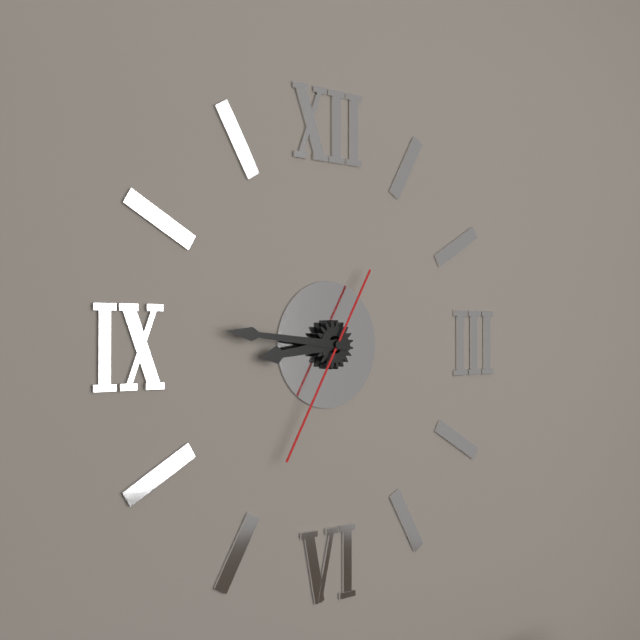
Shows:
{"hour": 8, "minute": 46, "second": 35}
